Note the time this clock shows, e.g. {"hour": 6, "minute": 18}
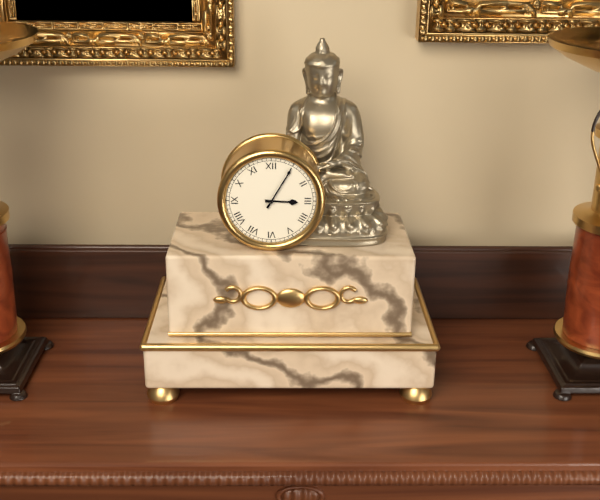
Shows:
{"hour": 3, "minute": 5}
